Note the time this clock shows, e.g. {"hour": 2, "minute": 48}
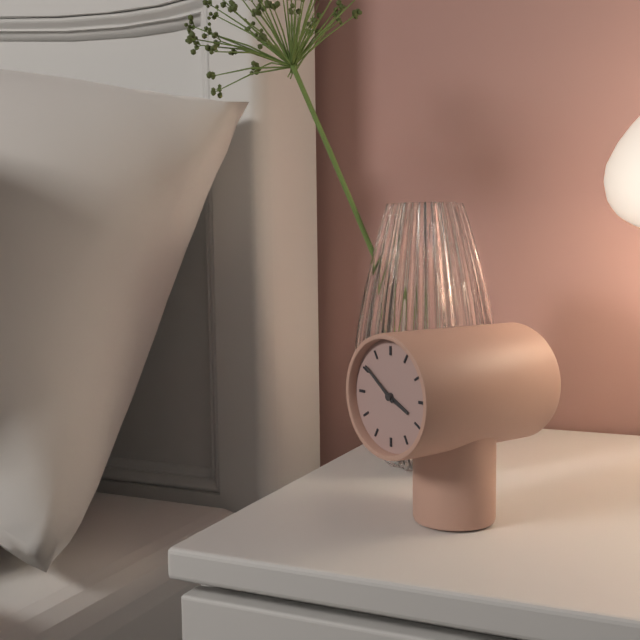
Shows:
{"hour": 3, "minute": 51}
